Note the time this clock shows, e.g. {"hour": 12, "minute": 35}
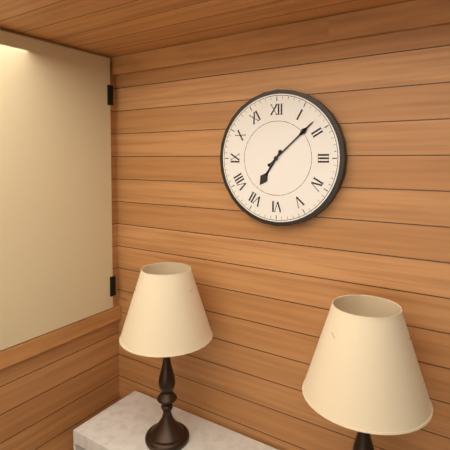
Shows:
{"hour": 7, "minute": 8}
